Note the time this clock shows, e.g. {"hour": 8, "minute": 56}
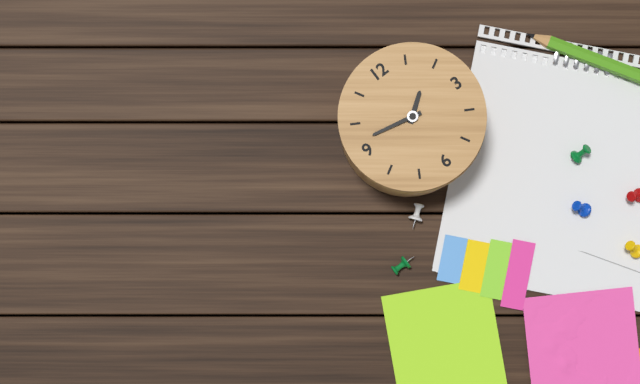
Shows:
{"hour": 1, "minute": 47}
